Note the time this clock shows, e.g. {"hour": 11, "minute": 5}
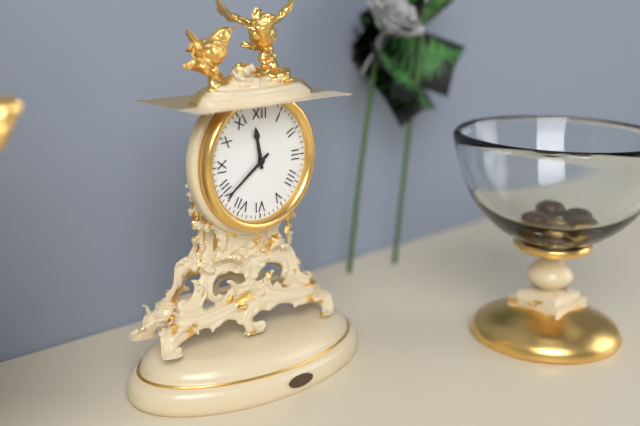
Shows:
{"hour": 11, "minute": 39}
